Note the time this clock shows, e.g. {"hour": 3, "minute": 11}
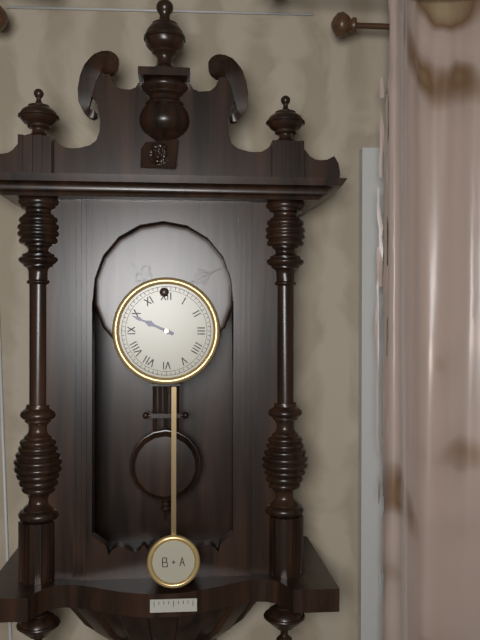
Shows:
{"hour": 9, "minute": 49}
